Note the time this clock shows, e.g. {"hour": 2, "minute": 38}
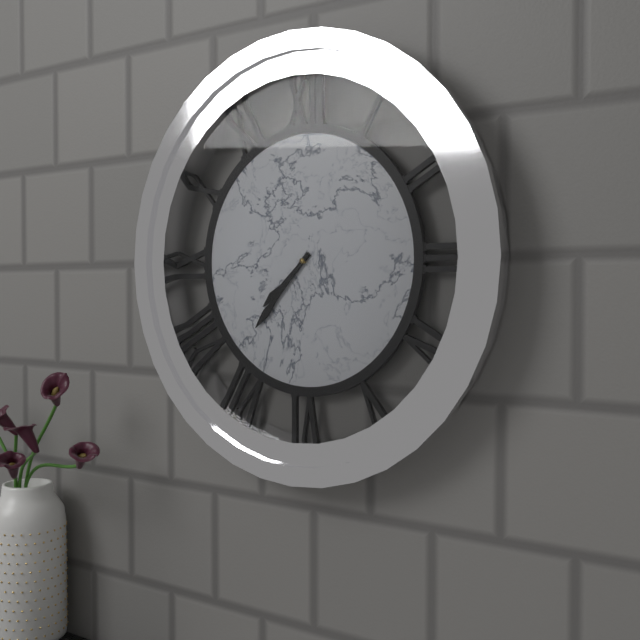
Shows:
{"hour": 7, "minute": 37}
